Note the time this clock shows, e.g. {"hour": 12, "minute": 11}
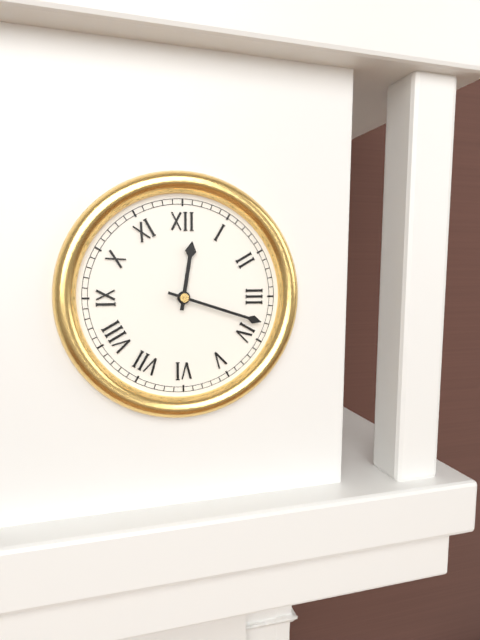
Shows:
{"hour": 12, "minute": 18}
